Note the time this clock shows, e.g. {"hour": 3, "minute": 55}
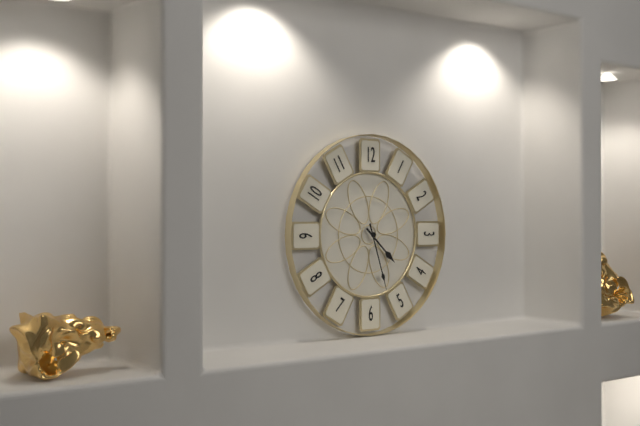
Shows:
{"hour": 4, "minute": 27}
